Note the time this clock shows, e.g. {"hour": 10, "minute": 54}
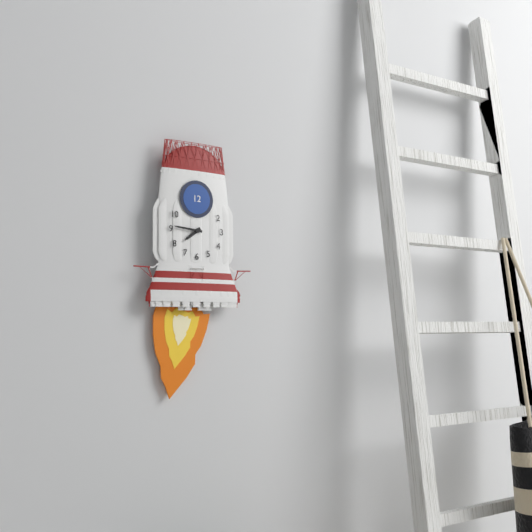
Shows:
{"hour": 7, "minute": 46}
